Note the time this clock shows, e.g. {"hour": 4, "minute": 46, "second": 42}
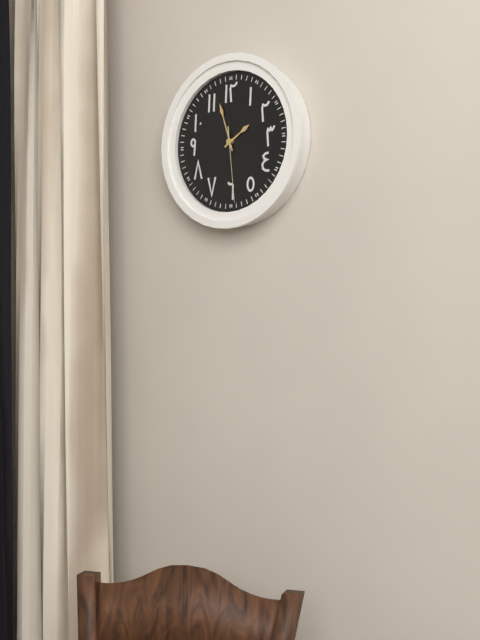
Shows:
{"hour": 1, "minute": 57, "second": 29}
